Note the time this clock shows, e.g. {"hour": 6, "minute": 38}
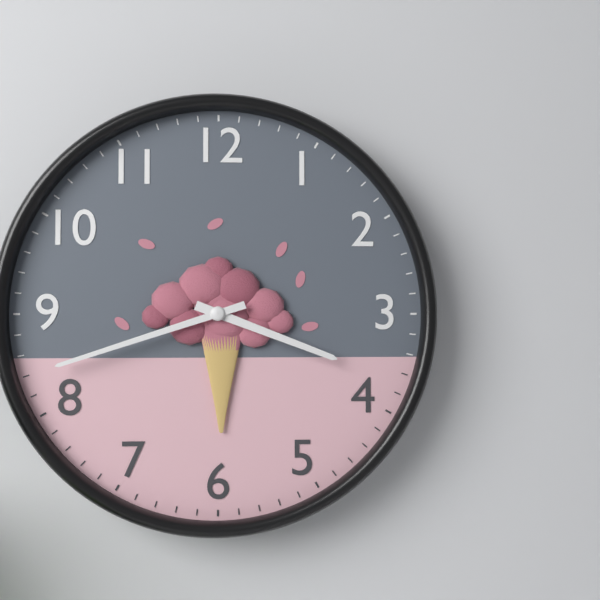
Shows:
{"hour": 3, "minute": 42}
